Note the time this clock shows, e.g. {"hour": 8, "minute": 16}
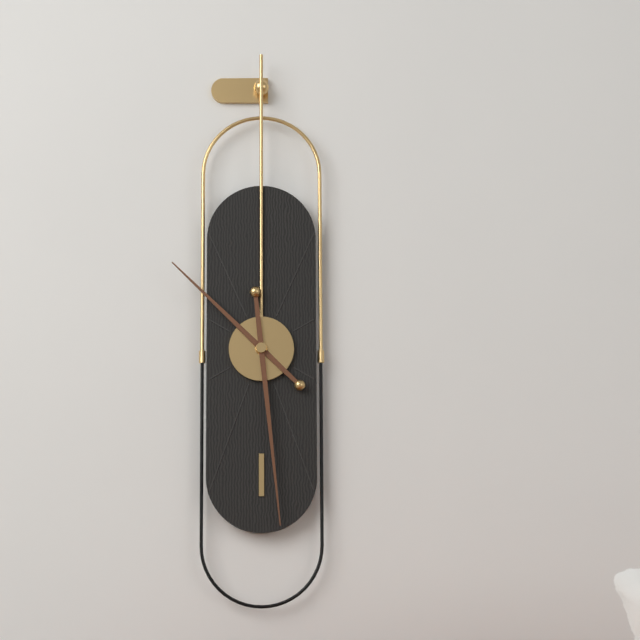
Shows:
{"hour": 10, "minute": 29}
